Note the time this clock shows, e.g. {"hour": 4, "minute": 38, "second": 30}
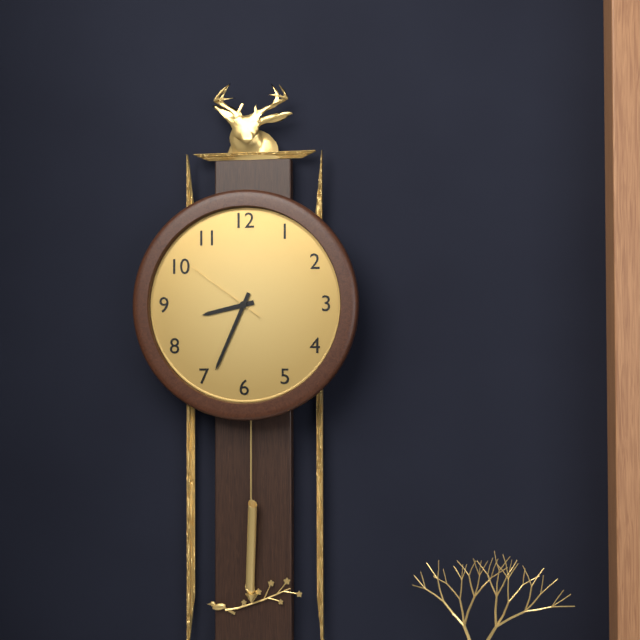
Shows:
{"hour": 8, "minute": 34, "second": 51}
